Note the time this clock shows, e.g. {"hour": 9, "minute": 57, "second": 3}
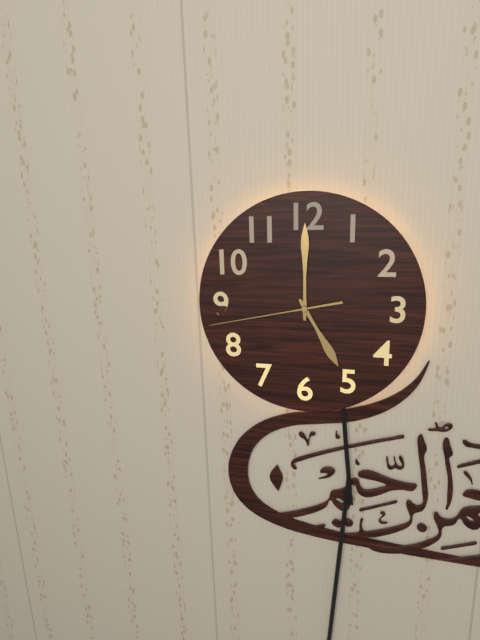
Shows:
{"hour": 5, "minute": 0, "second": 43}
